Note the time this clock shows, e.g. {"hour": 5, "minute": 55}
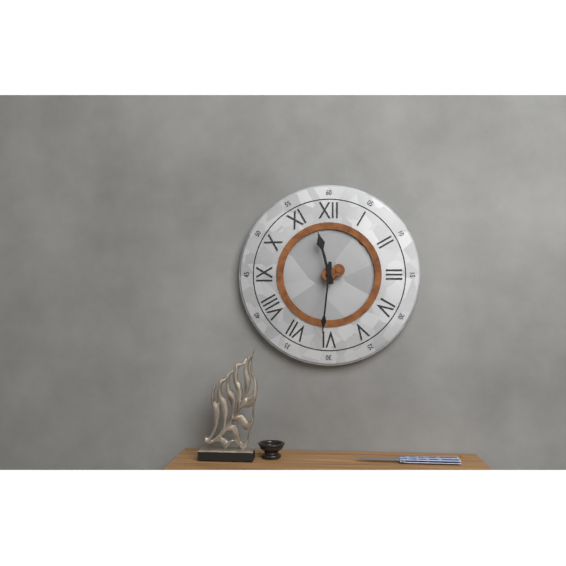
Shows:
{"hour": 11, "minute": 31}
